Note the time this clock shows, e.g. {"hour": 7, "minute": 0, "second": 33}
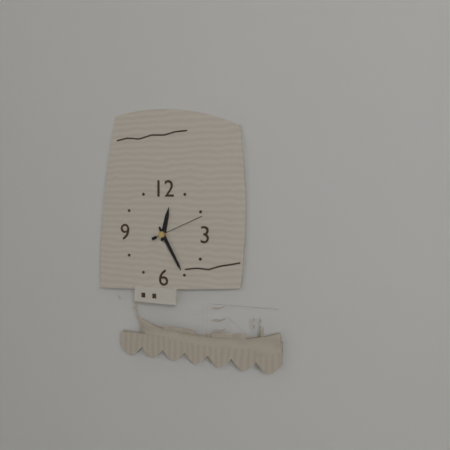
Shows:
{"hour": 12, "minute": 25, "second": 11}
